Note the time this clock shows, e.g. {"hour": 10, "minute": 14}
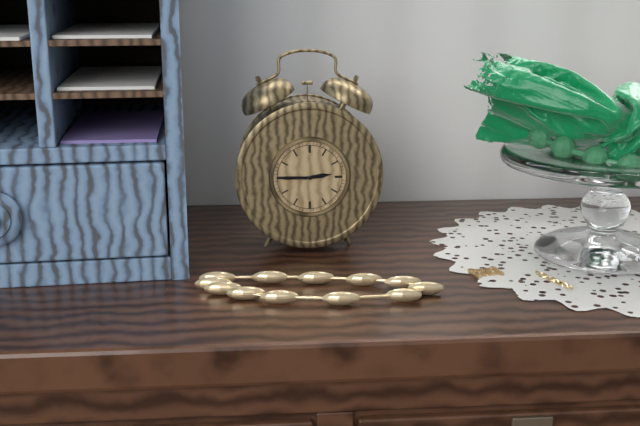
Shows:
{"hour": 2, "minute": 45}
